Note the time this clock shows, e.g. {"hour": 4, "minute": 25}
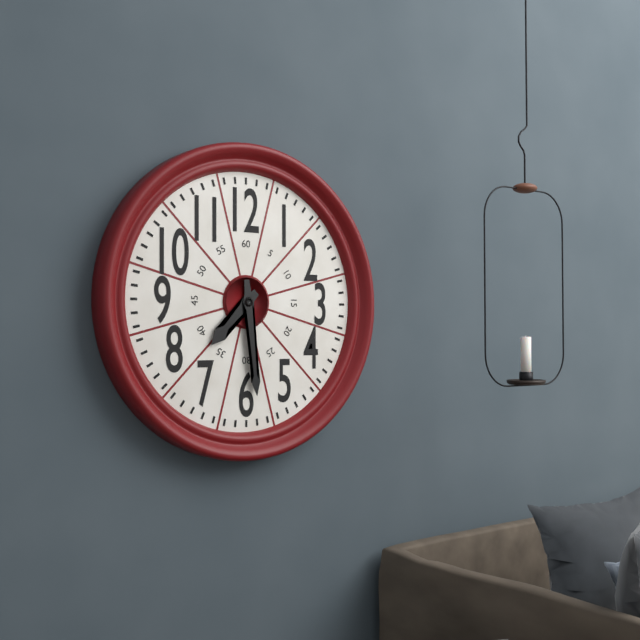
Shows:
{"hour": 7, "minute": 29}
